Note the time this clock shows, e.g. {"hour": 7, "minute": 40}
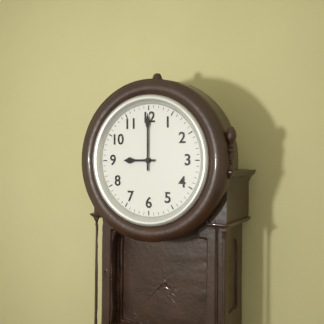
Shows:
{"hour": 9, "minute": 0}
